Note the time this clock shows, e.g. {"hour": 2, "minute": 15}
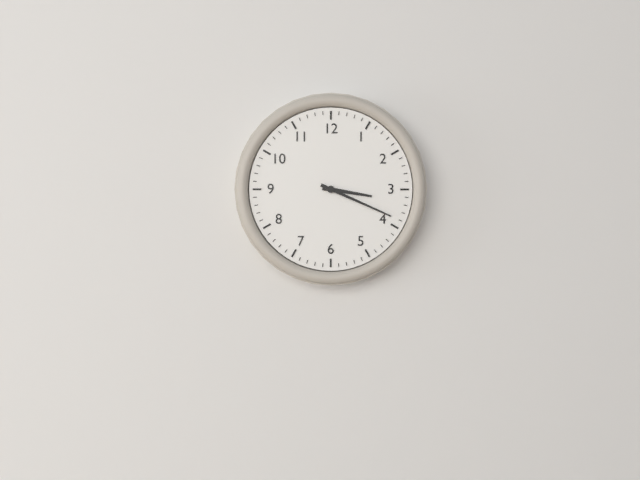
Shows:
{"hour": 3, "minute": 19}
